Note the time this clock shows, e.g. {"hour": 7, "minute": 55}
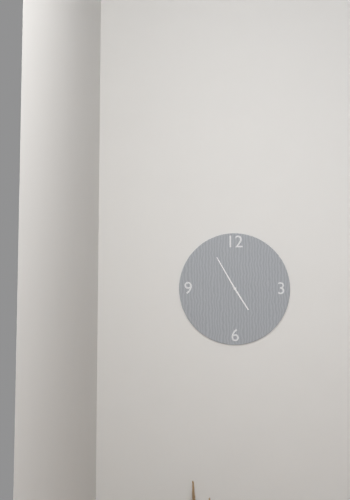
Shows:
{"hour": 4, "minute": 55}
